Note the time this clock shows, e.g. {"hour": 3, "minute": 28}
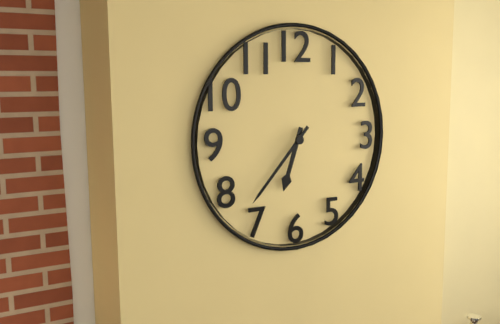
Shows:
{"hour": 6, "minute": 37}
